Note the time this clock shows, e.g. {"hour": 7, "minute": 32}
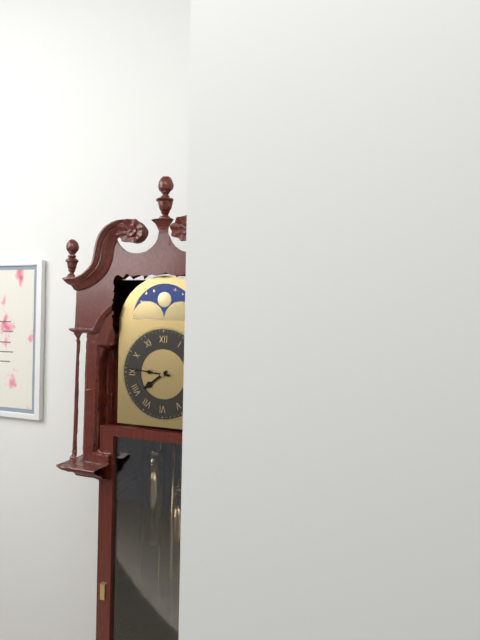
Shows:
{"hour": 7, "minute": 46}
